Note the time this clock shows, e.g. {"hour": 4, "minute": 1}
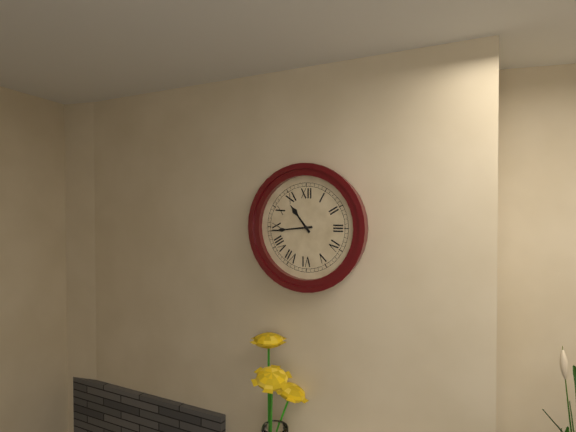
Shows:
{"hour": 10, "minute": 44}
